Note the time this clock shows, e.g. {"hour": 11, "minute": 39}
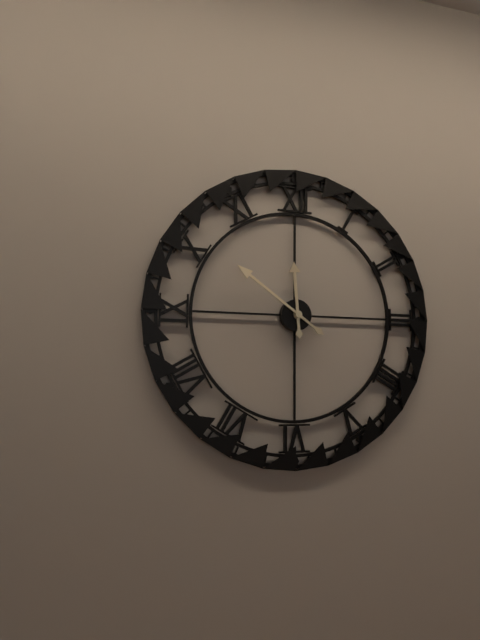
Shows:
{"hour": 11, "minute": 51}
